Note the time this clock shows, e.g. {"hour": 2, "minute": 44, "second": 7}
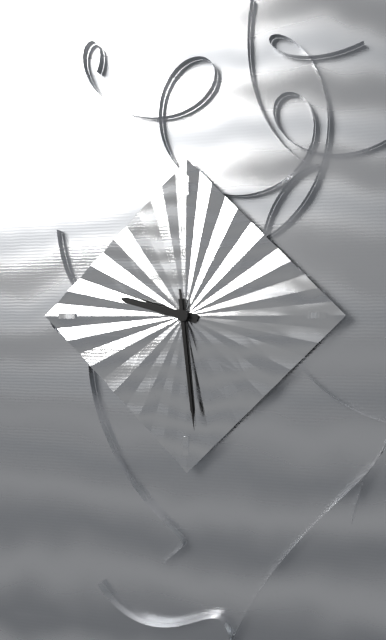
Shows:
{"hour": 9, "minute": 29, "second": 29}
